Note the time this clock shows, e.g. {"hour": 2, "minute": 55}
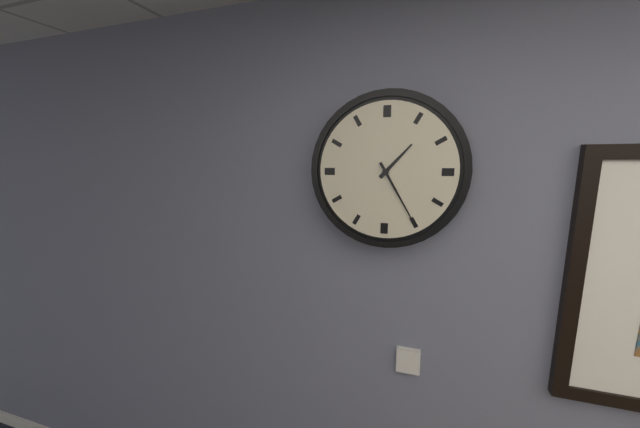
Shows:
{"hour": 1, "minute": 25}
